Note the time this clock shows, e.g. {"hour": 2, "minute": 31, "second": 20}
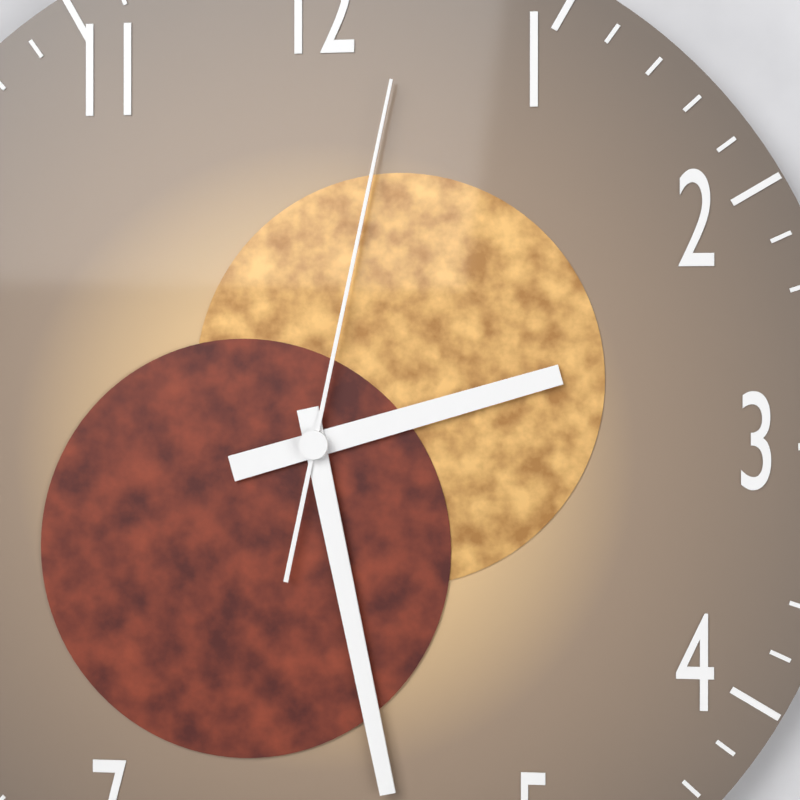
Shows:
{"hour": 2, "minute": 28, "second": 2}
